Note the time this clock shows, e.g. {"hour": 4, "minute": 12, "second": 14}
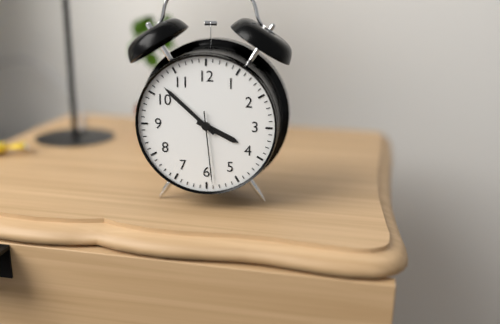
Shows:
{"hour": 3, "minute": 52, "second": 29}
